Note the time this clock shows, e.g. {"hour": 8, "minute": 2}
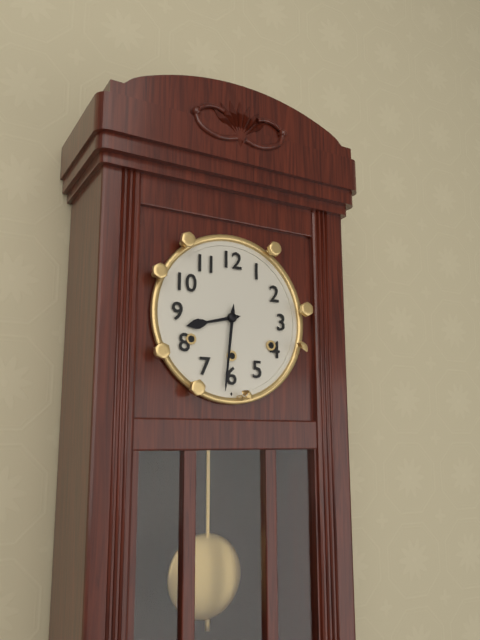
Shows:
{"hour": 8, "minute": 31}
